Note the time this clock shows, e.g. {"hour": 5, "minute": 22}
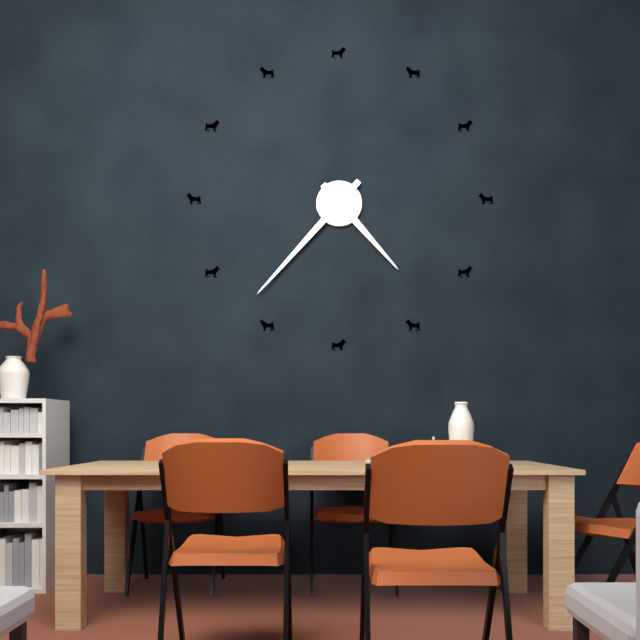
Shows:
{"hour": 4, "minute": 37}
